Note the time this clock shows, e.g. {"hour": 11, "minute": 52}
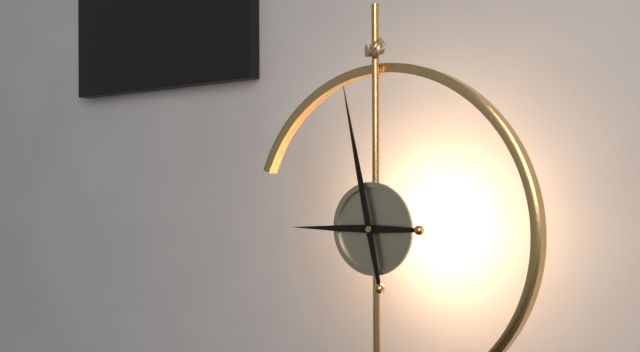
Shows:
{"hour": 8, "minute": 58}
